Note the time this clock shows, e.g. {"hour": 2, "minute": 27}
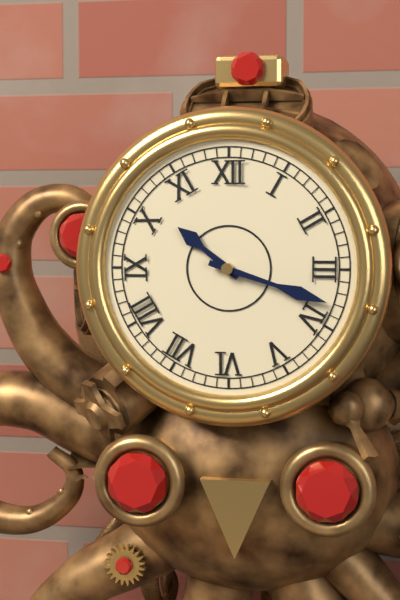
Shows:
{"hour": 10, "minute": 18}
